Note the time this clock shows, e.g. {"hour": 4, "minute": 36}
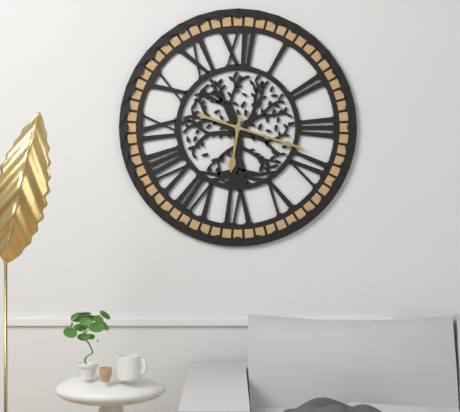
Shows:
{"hour": 6, "minute": 18}
